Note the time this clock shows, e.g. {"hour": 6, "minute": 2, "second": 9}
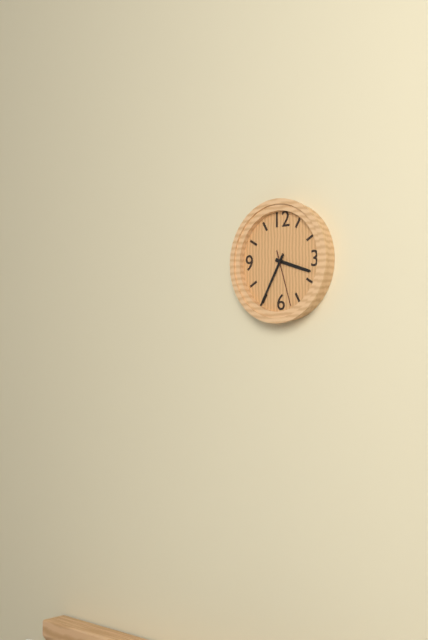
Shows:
{"hour": 3, "minute": 35, "second": 27}
